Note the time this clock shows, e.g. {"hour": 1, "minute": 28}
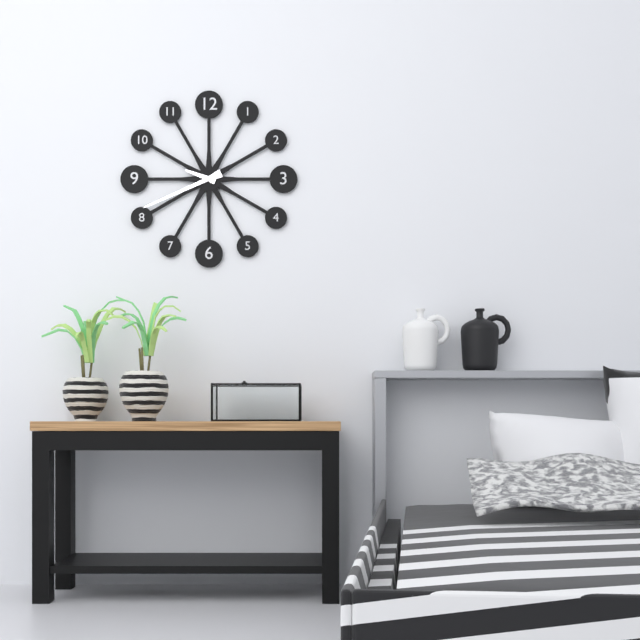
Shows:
{"hour": 9, "minute": 41}
